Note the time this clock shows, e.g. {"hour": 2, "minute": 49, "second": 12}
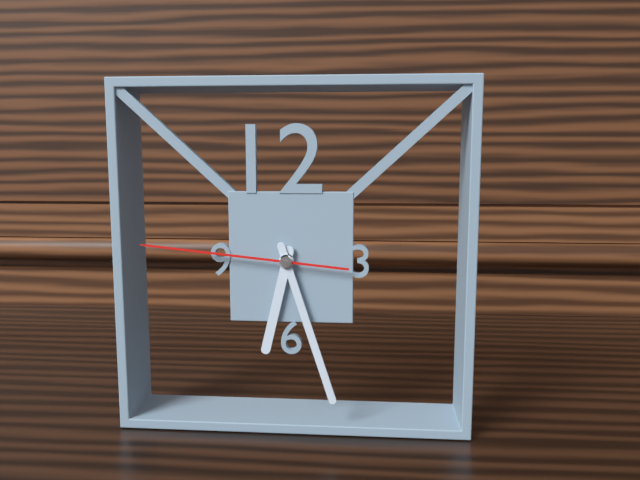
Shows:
{"hour": 6, "minute": 27, "second": 46}
